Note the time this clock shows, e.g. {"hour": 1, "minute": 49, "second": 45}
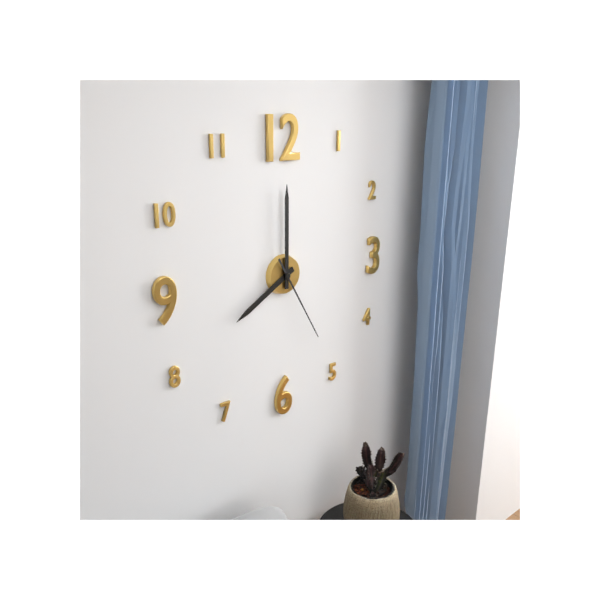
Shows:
{"hour": 8, "minute": 0, "second": 25}
